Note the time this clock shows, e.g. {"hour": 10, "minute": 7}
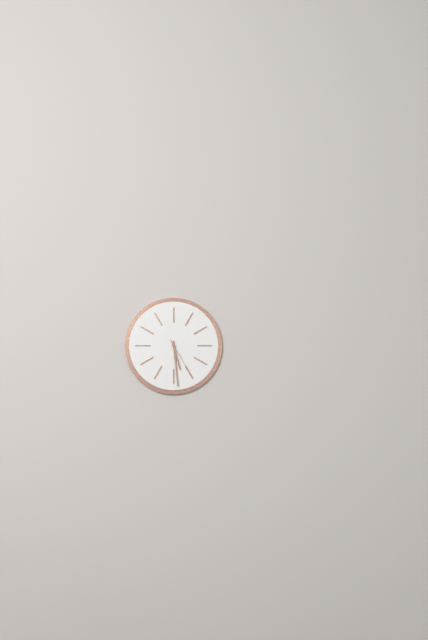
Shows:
{"hour": 5, "minute": 29}
